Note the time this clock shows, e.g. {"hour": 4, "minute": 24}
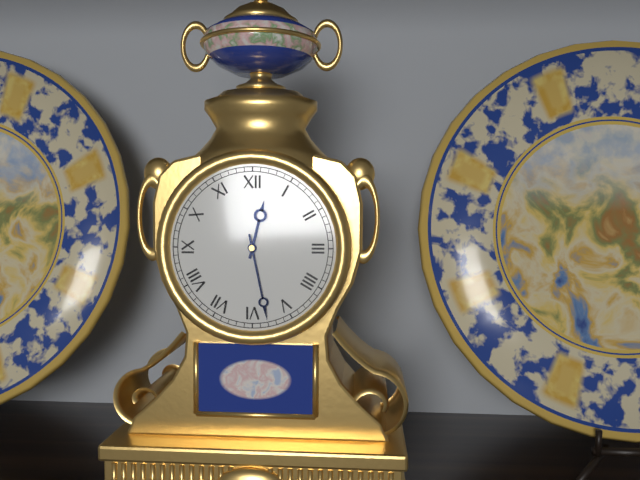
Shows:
{"hour": 12, "minute": 28}
